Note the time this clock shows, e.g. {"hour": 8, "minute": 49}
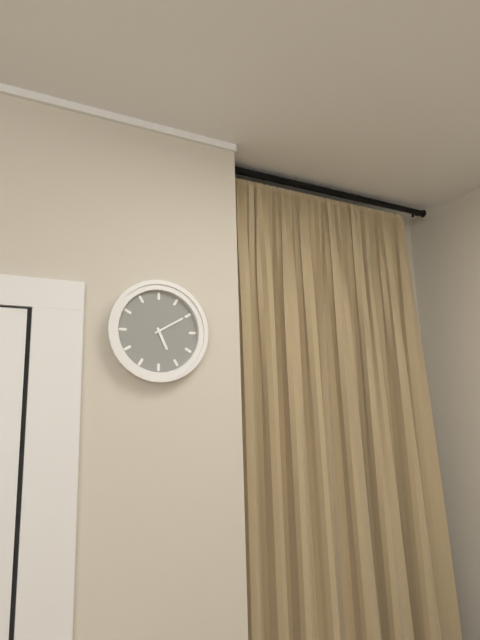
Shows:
{"hour": 5, "minute": 10}
